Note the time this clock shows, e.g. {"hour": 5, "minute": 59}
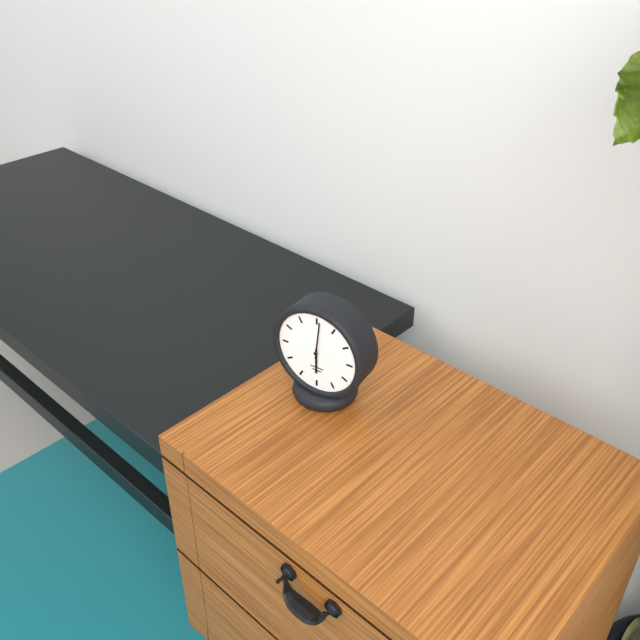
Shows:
{"hour": 6, "minute": 1}
